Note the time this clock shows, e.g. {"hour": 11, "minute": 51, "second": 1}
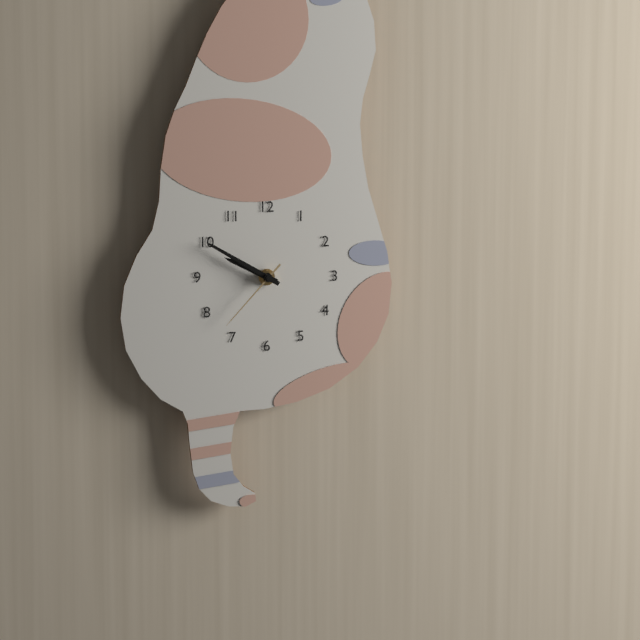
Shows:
{"hour": 9, "minute": 50, "second": 37}
